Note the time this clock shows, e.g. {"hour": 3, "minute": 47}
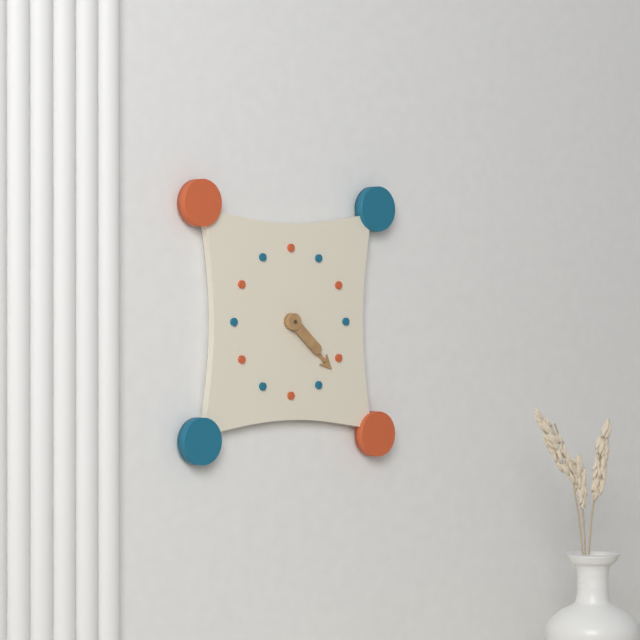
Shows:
{"hour": 4, "minute": 22}
